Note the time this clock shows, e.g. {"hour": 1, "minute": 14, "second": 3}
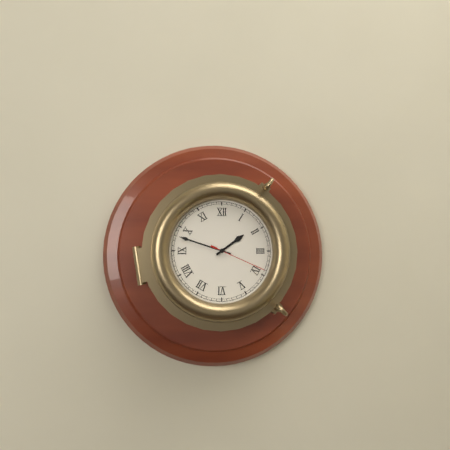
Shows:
{"hour": 1, "minute": 48, "second": 19}
